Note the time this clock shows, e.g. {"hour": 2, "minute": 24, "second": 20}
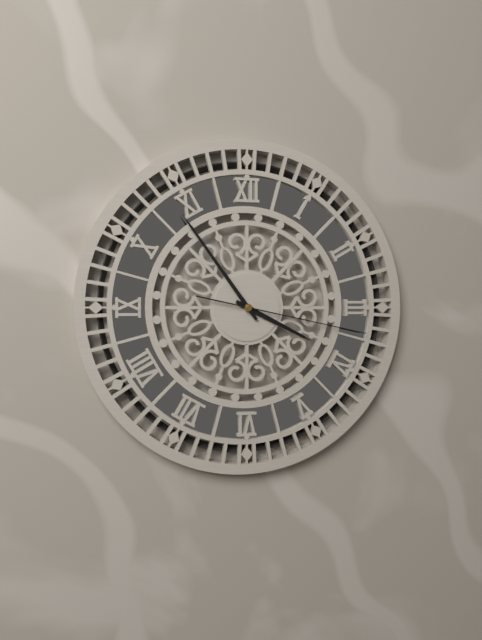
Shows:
{"hour": 3, "minute": 54, "second": 17}
